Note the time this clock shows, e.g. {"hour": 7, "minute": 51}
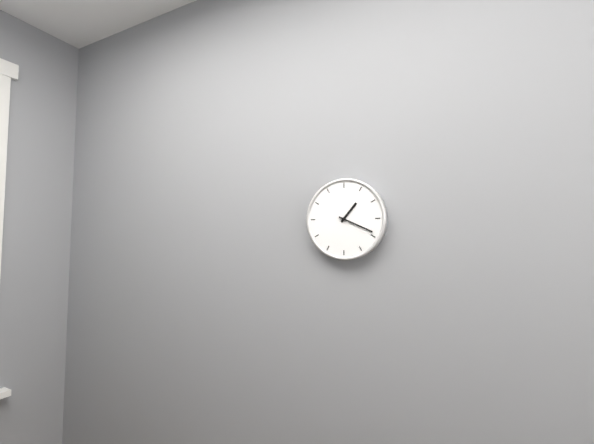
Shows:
{"hour": 1, "minute": 19}
